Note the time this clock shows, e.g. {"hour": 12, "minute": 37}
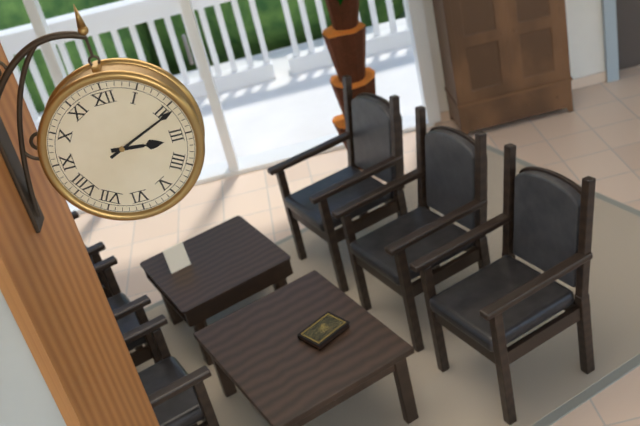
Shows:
{"hour": 3, "minute": 11}
